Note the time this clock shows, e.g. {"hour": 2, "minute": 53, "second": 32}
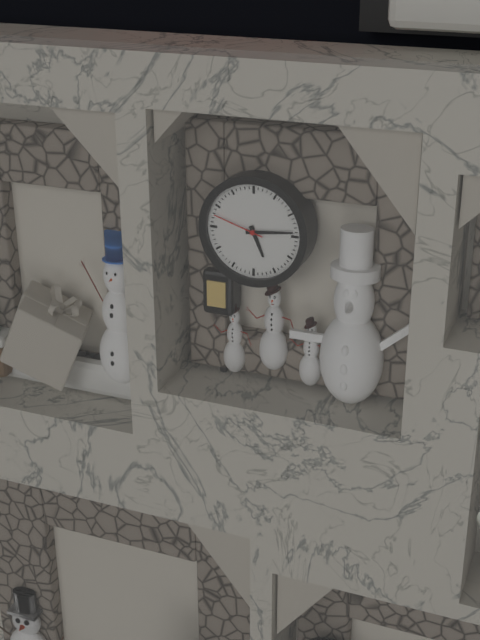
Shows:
{"hour": 5, "minute": 14, "second": 48}
